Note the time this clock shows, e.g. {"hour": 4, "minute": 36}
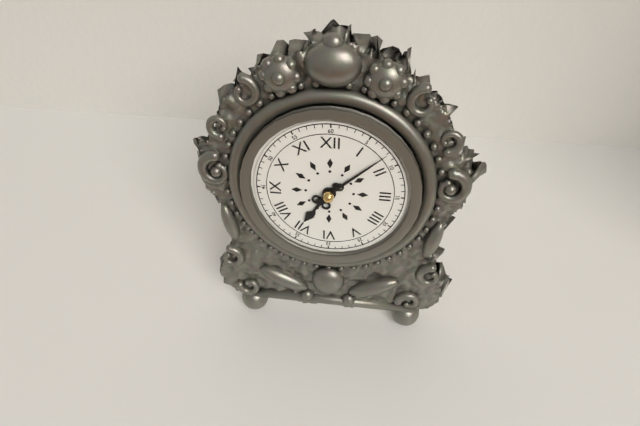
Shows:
{"hour": 7, "minute": 8}
